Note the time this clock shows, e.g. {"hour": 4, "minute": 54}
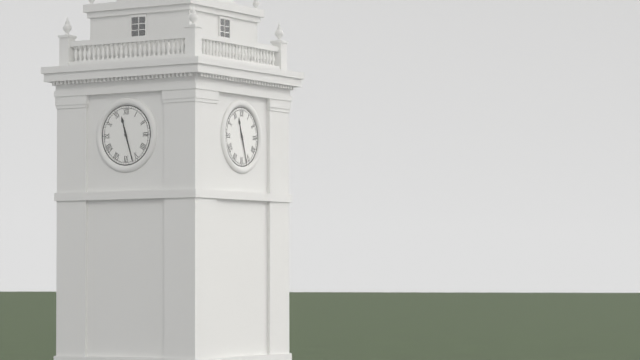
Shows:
{"hour": 11, "minute": 27}
